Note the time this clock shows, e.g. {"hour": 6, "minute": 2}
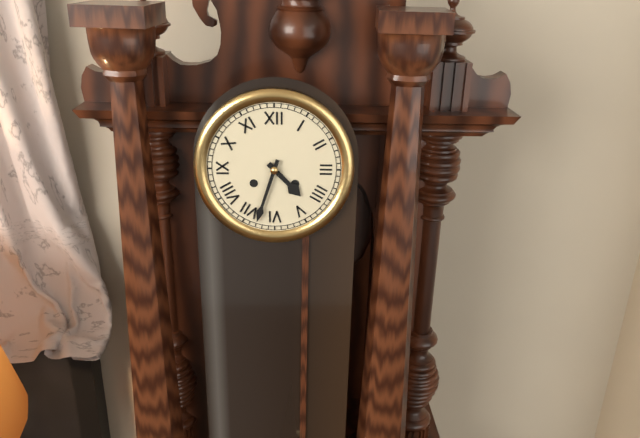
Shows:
{"hour": 4, "minute": 33}
